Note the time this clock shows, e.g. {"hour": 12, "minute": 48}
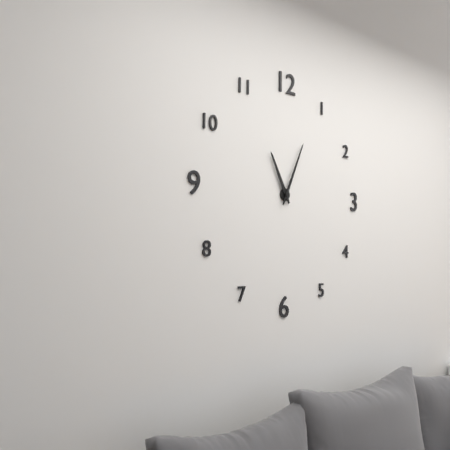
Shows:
{"hour": 11, "minute": 4}
